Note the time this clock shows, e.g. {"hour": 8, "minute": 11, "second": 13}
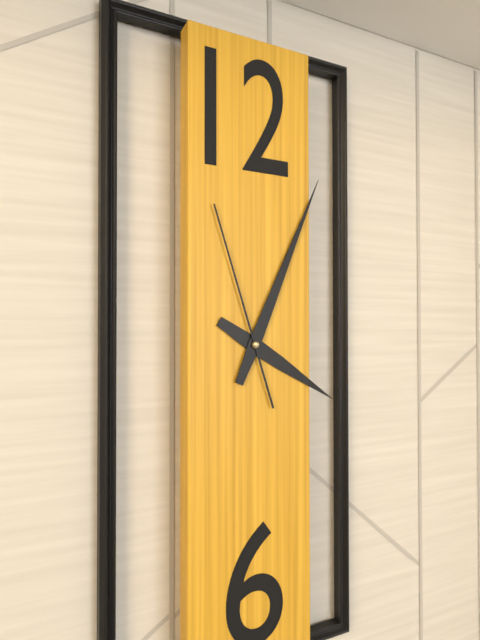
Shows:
{"hour": 4, "minute": 4, "second": 57}
